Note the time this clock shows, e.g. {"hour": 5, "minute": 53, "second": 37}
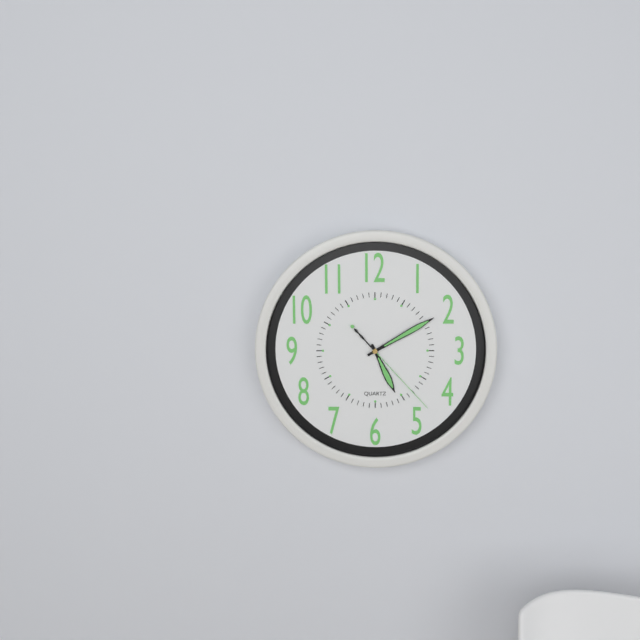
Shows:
{"hour": 5, "minute": 10, "second": 23}
